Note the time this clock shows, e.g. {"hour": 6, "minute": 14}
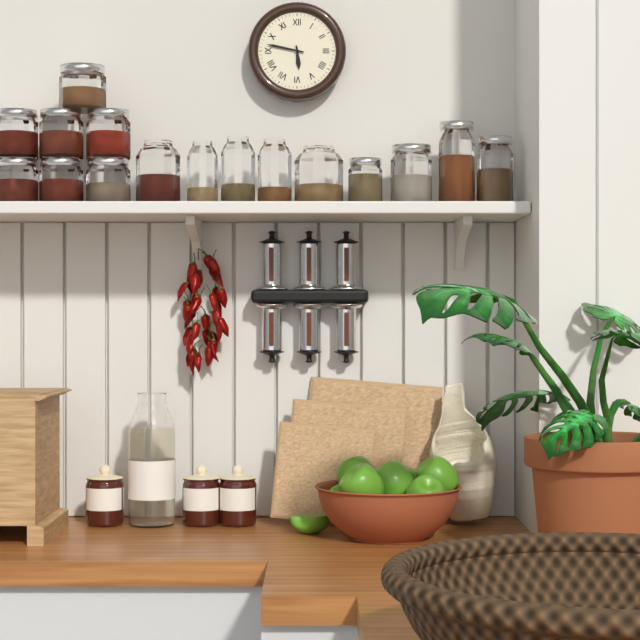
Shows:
{"hour": 5, "minute": 47}
